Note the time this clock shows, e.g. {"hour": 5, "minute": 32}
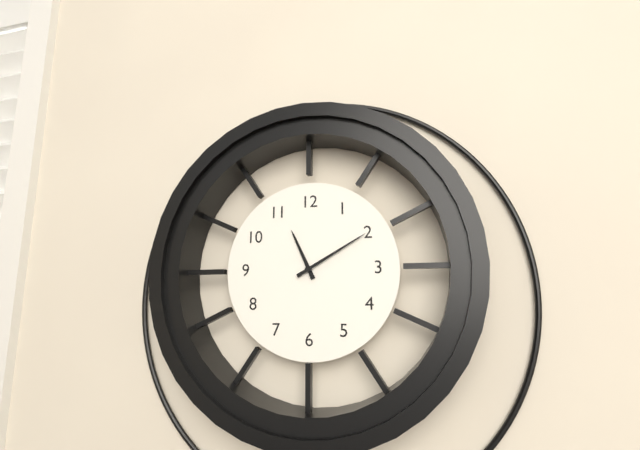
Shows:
{"hour": 11, "minute": 10}
